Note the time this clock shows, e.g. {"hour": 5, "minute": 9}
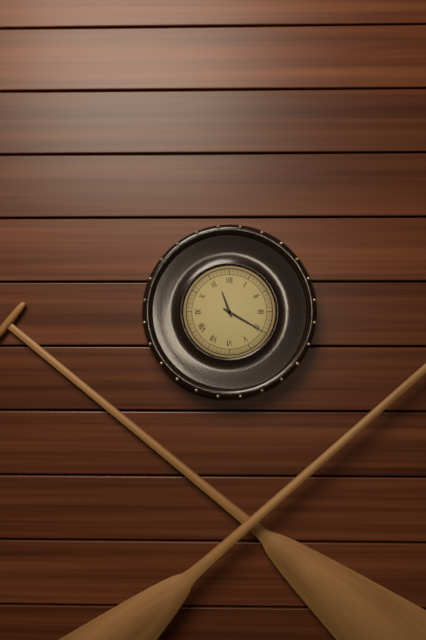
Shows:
{"hour": 11, "minute": 20}
